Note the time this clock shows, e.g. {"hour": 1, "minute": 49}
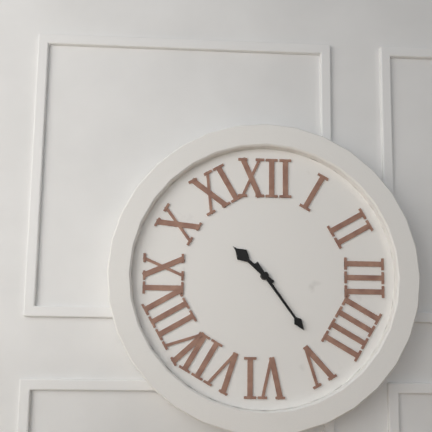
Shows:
{"hour": 10, "minute": 24}
